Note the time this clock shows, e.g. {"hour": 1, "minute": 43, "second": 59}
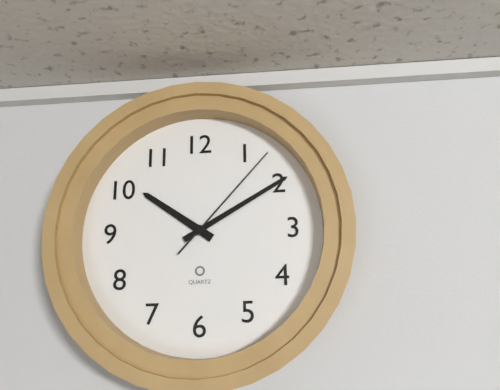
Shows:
{"hour": 10, "minute": 10, "second": 7}
